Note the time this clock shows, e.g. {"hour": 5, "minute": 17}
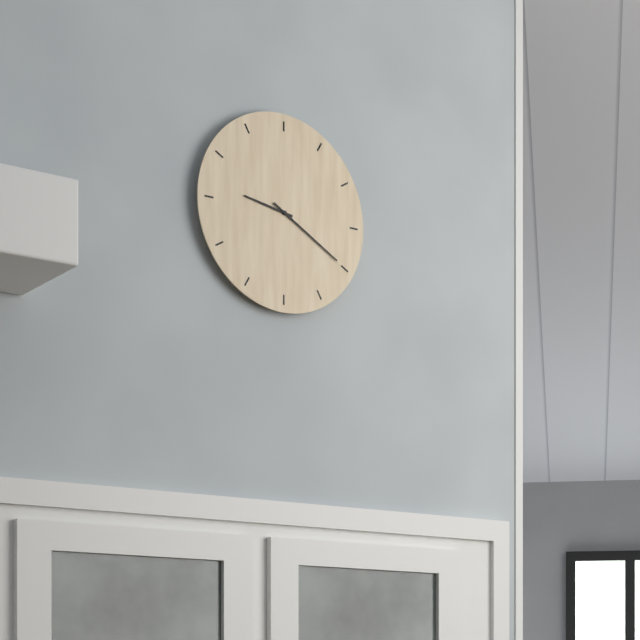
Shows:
{"hour": 9, "minute": 20}
